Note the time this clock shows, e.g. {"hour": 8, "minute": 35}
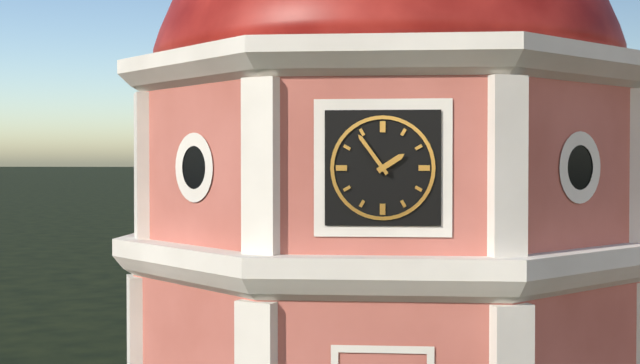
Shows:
{"hour": 1, "minute": 54}
